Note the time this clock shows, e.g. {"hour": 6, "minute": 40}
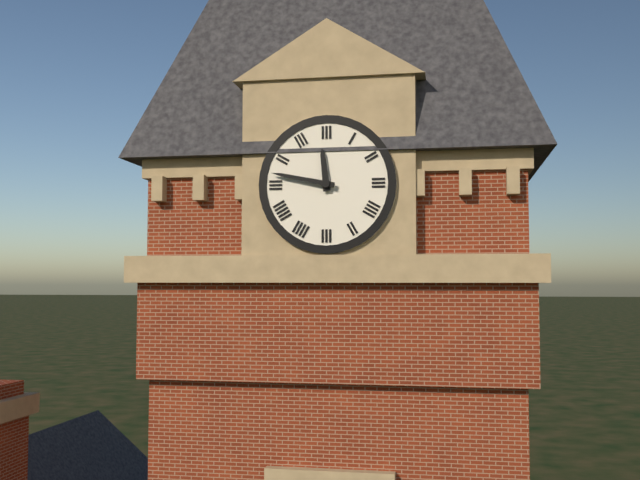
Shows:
{"hour": 11, "minute": 47}
